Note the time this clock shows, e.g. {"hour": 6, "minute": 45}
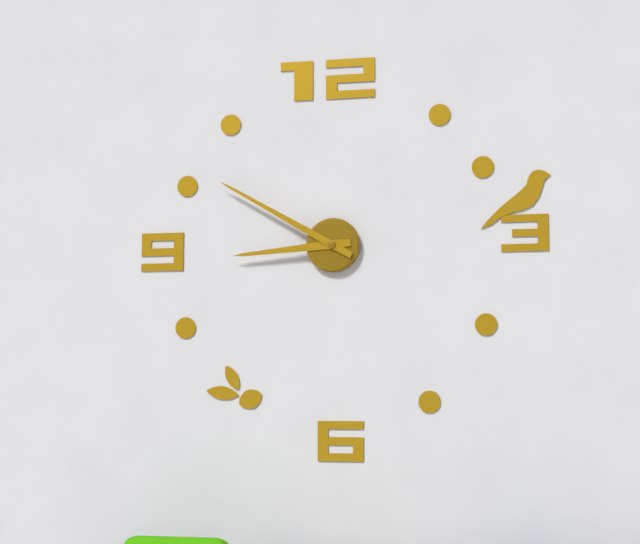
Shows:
{"hour": 8, "minute": 50}
